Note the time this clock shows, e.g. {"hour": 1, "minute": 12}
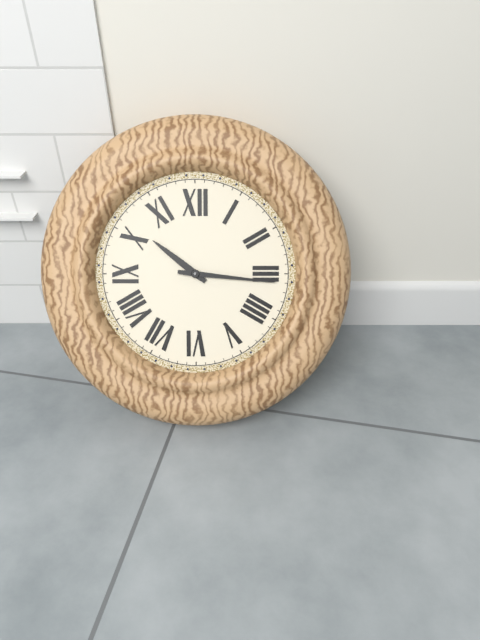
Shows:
{"hour": 10, "minute": 16}
